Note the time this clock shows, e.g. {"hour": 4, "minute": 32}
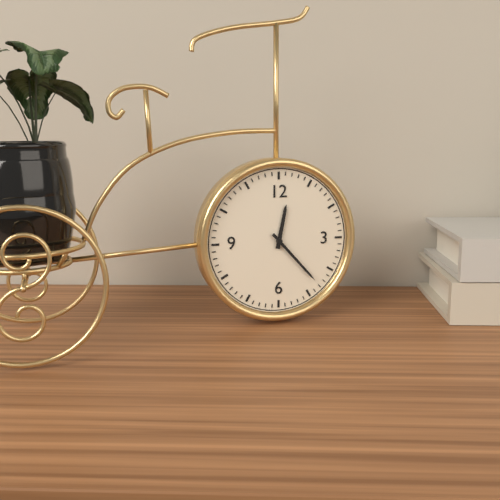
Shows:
{"hour": 12, "minute": 23}
